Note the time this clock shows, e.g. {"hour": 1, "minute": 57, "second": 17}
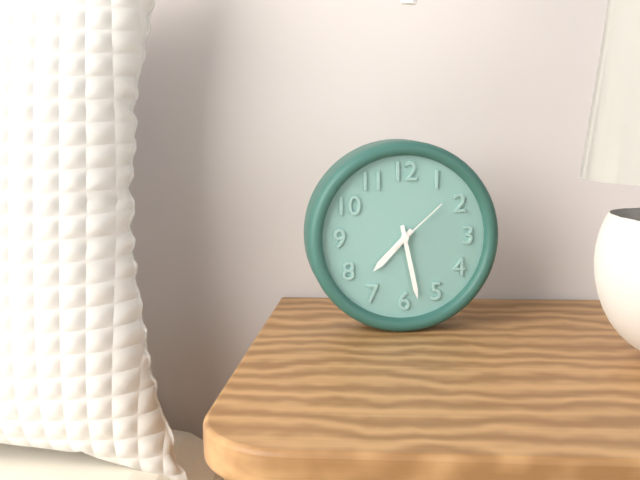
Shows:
{"hour": 7, "minute": 28, "second": 8}
